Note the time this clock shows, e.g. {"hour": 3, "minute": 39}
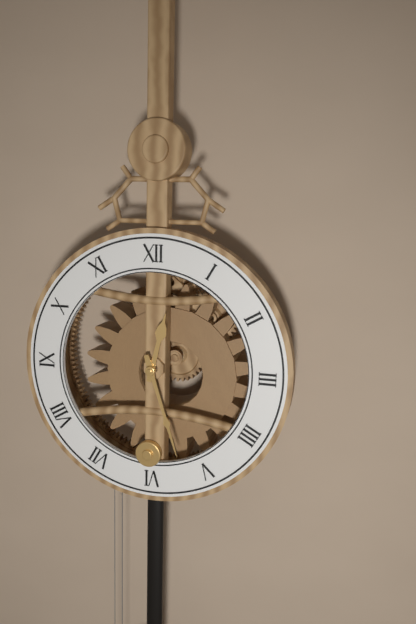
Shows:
{"hour": 12, "minute": 27}
